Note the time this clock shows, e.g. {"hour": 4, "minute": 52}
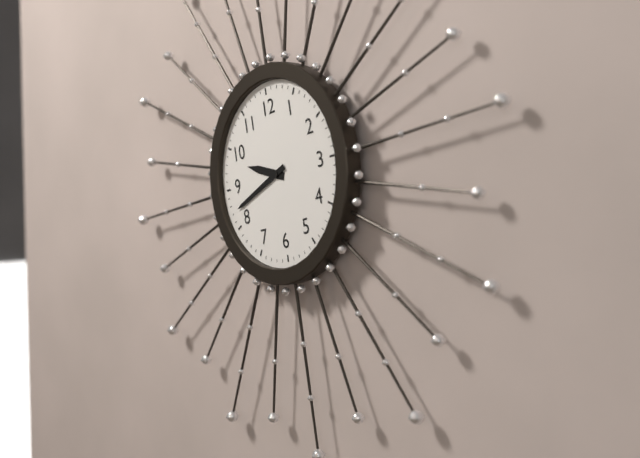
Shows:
{"hour": 9, "minute": 42}
